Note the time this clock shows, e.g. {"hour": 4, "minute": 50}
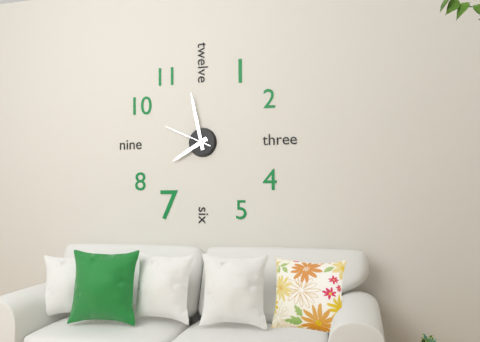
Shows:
{"hour": 7, "minute": 58}
